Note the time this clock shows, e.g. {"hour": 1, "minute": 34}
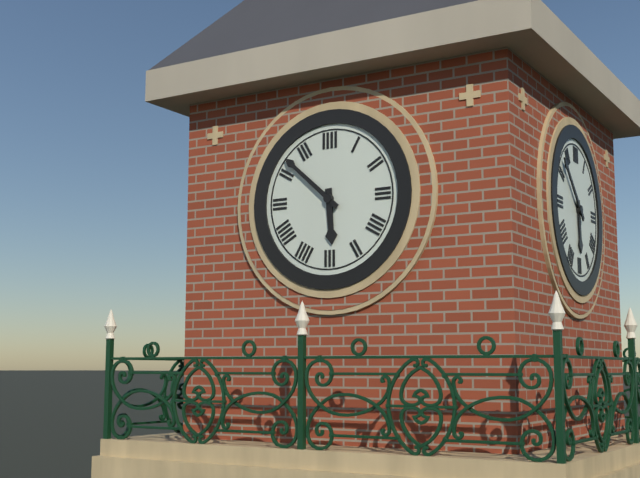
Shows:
{"hour": 5, "minute": 52}
